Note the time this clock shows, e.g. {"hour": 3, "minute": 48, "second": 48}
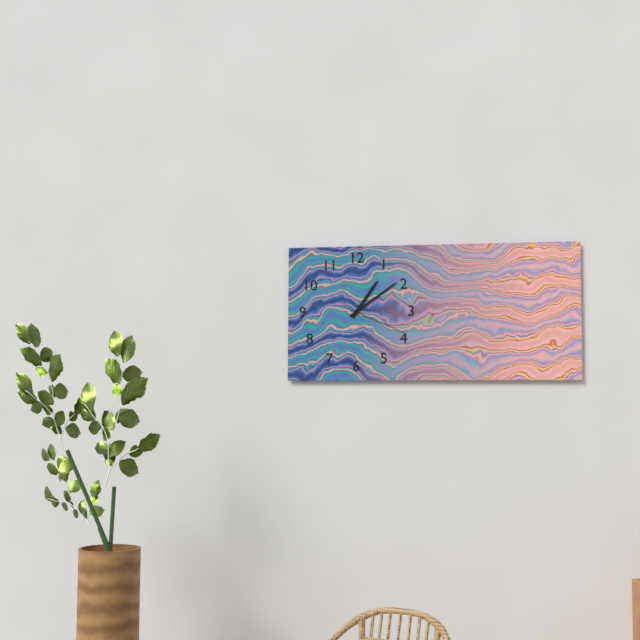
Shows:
{"hour": 1, "minute": 9, "second": 19}
